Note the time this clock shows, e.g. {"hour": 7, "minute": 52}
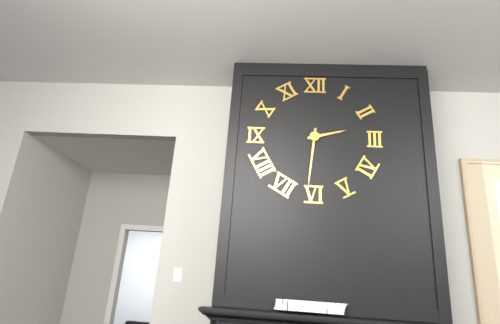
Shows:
{"hour": 2, "minute": 31}
